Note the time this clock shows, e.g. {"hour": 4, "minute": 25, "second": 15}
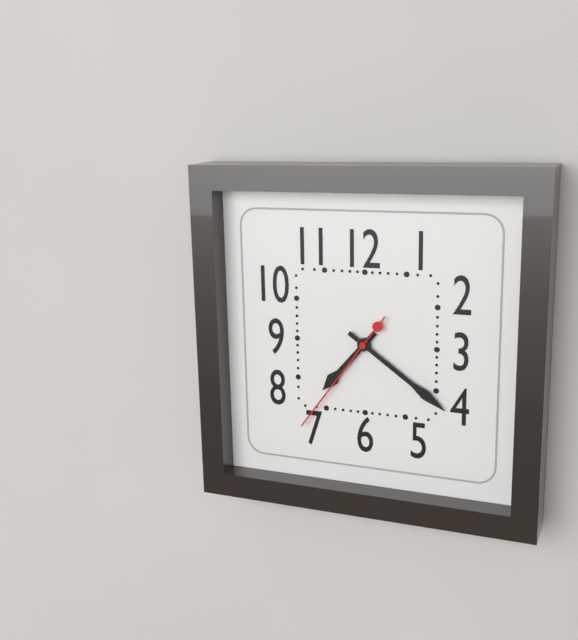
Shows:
{"hour": 7, "minute": 21, "second": 36}
